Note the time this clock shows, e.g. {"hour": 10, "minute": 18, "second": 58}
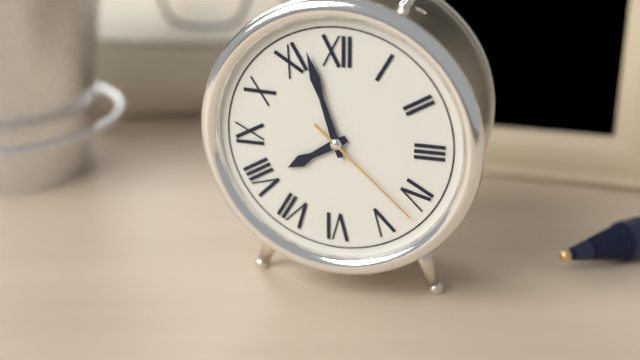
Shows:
{"hour": 7, "minute": 57, "second": 22}
